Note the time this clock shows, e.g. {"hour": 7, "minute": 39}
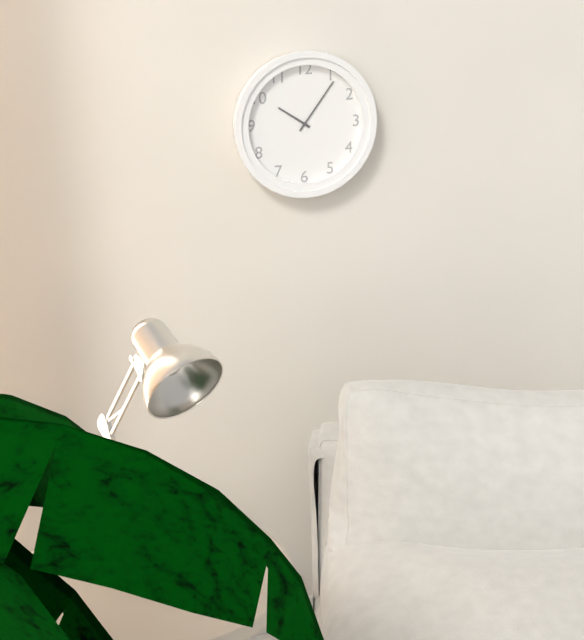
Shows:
{"hour": 10, "minute": 6}
